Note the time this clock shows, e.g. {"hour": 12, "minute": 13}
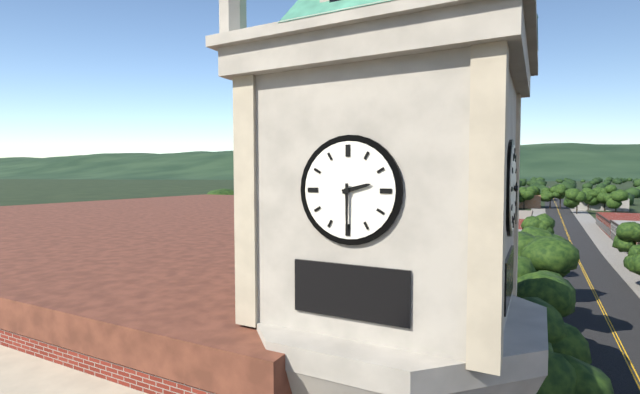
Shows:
{"hour": 2, "minute": 30}
